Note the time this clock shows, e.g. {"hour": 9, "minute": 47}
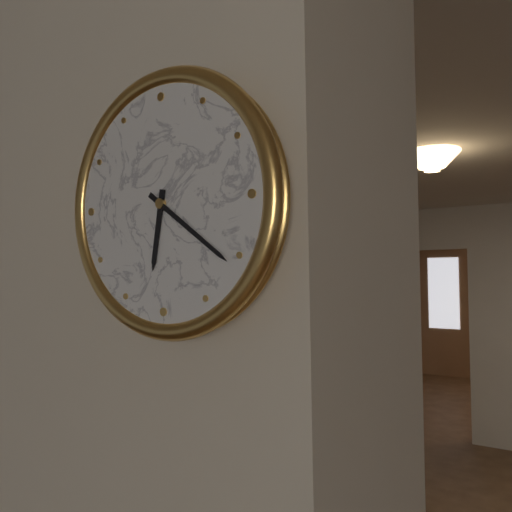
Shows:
{"hour": 6, "minute": 21}
